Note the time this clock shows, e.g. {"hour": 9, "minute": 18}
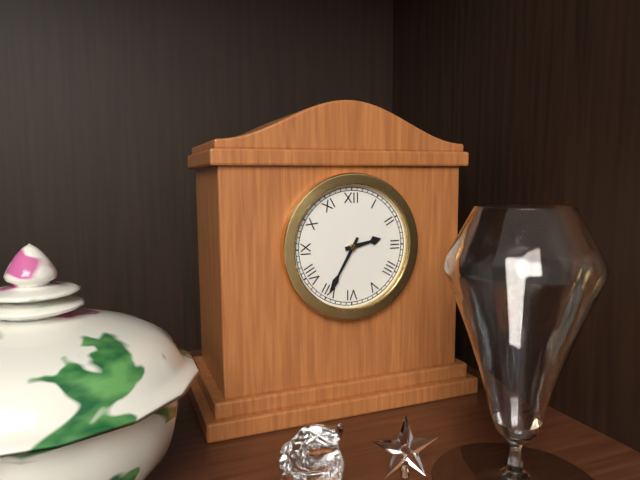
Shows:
{"hour": 2, "minute": 35}
